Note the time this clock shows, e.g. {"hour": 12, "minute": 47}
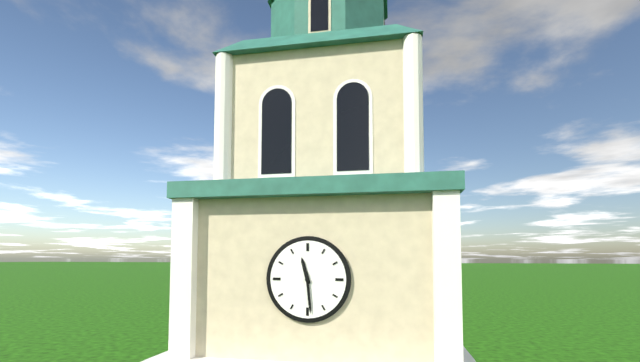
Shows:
{"hour": 11, "minute": 29}
